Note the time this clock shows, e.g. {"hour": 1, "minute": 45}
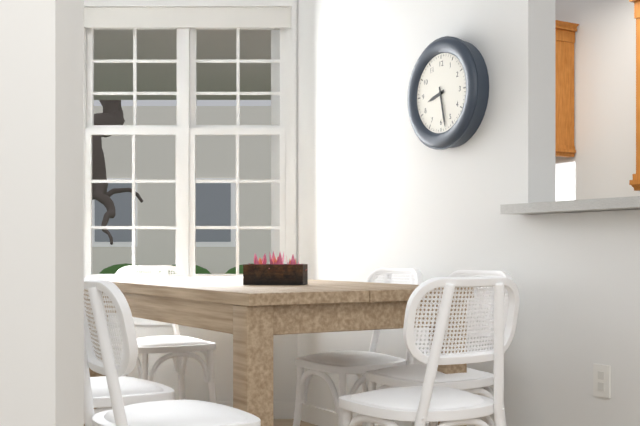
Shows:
{"hour": 8, "minute": 28}
